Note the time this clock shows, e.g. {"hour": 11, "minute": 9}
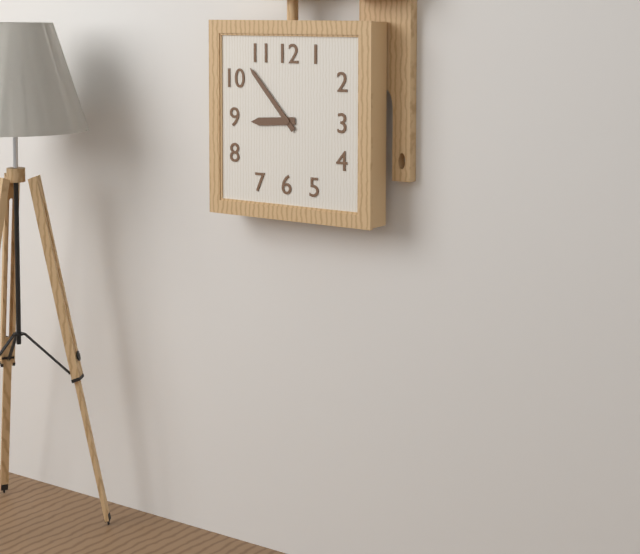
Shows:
{"hour": 8, "minute": 53}
